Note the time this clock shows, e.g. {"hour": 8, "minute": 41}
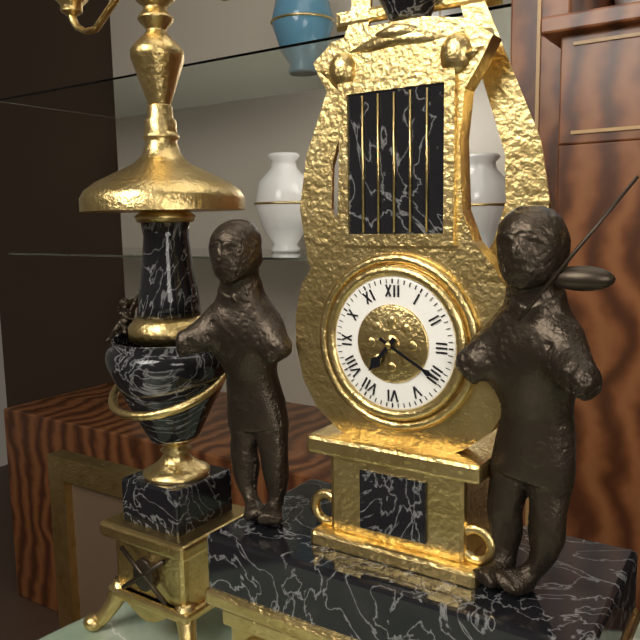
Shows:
{"hour": 7, "minute": 20}
